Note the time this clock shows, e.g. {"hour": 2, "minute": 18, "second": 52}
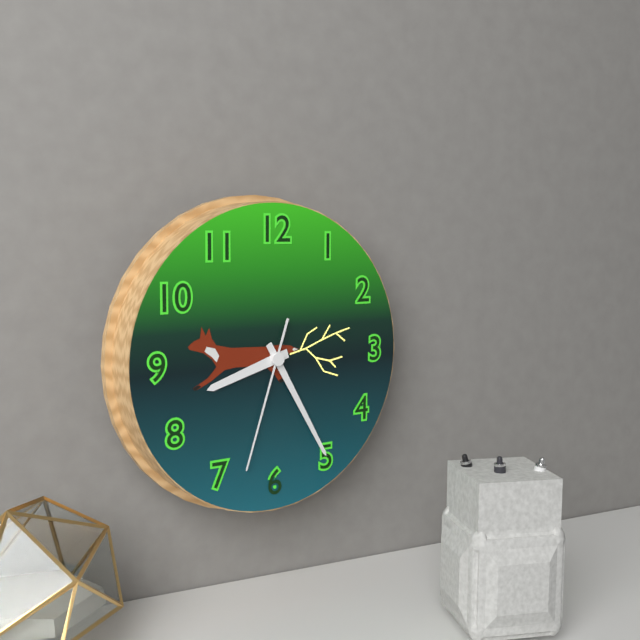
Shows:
{"hour": 8, "minute": 25, "second": 33}
